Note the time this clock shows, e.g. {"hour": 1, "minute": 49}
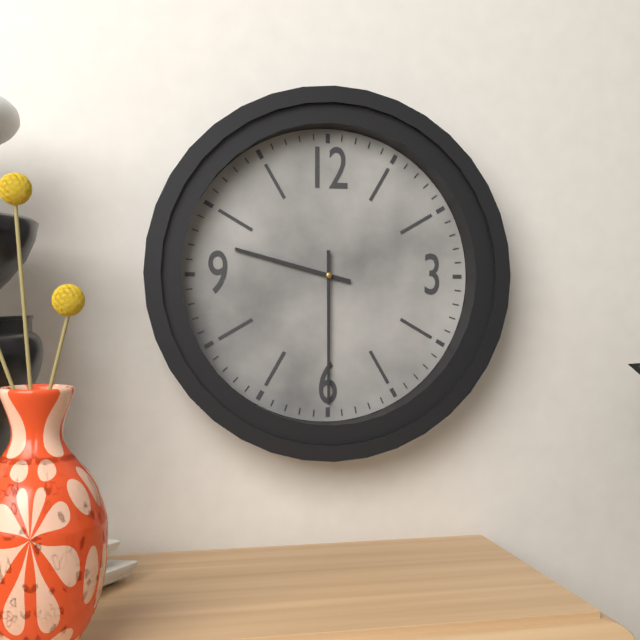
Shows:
{"hour": 9, "minute": 30}
